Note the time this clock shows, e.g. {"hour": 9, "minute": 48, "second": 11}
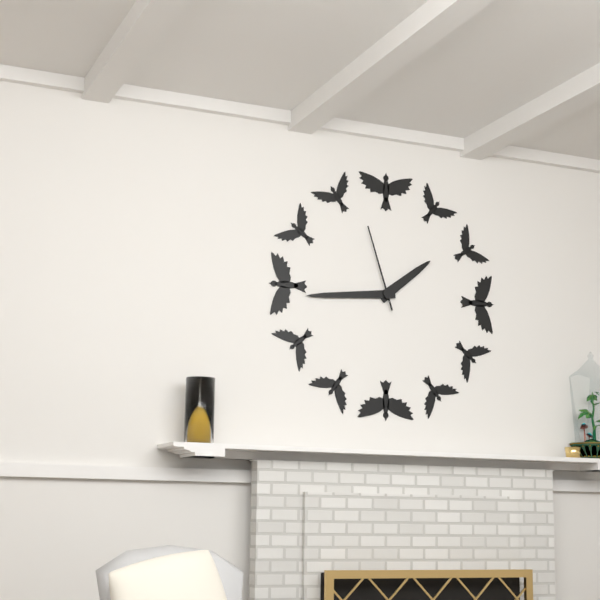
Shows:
{"hour": 1, "minute": 44, "second": 57}
